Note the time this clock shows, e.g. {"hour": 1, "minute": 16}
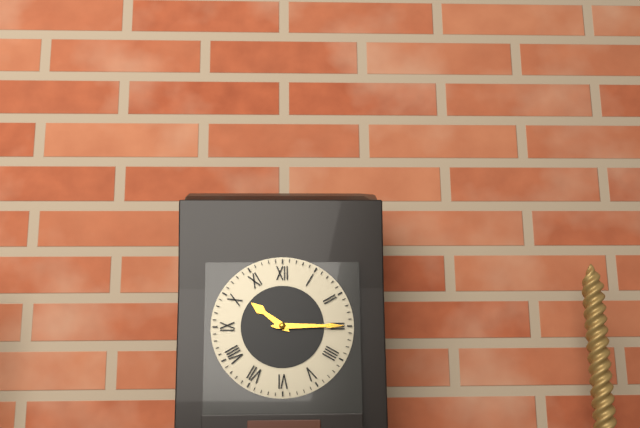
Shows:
{"hour": 10, "minute": 15}
